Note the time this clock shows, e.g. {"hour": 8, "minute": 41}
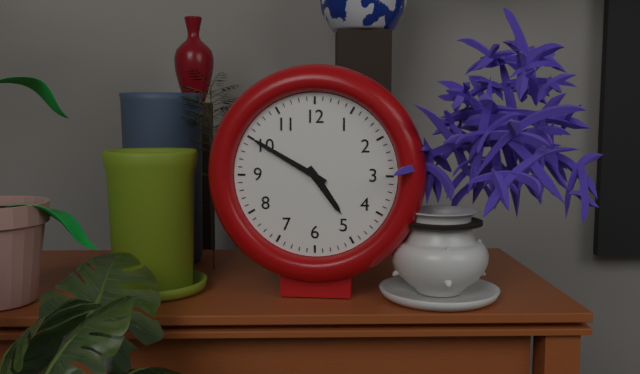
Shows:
{"hour": 4, "minute": 50}
